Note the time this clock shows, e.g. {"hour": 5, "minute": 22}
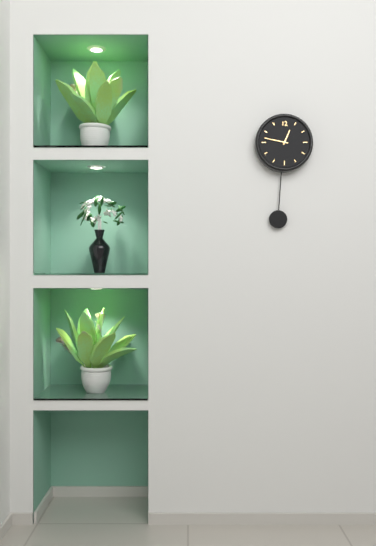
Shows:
{"hour": 12, "minute": 47}
